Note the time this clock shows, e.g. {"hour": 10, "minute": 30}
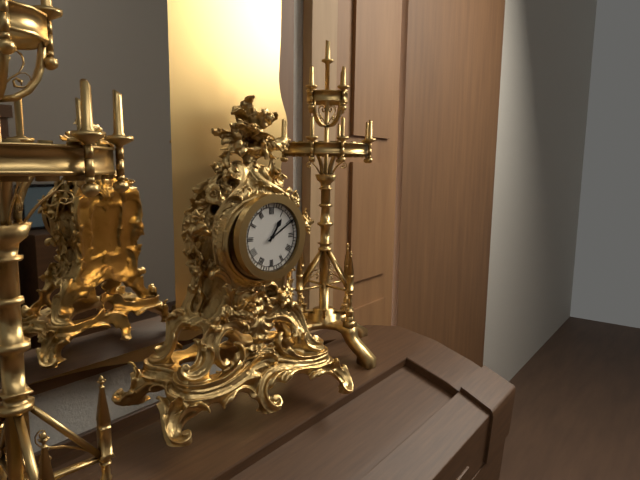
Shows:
{"hour": 1, "minute": 10}
